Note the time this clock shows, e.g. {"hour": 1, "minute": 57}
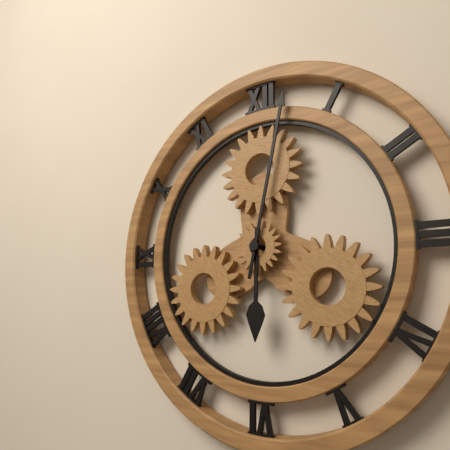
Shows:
{"hour": 6, "minute": 2}
